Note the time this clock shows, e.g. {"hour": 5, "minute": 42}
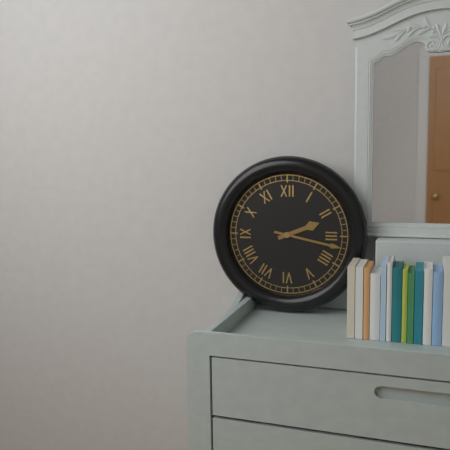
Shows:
{"hour": 2, "minute": 17}
